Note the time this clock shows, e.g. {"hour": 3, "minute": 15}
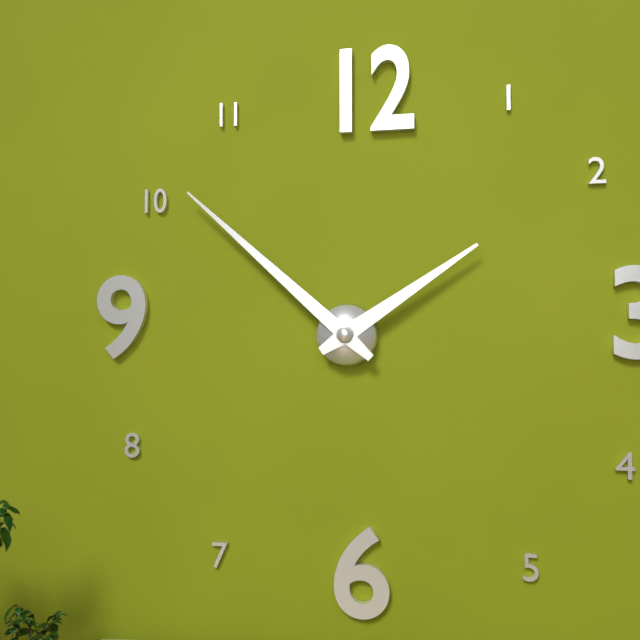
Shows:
{"hour": 1, "minute": 52}
